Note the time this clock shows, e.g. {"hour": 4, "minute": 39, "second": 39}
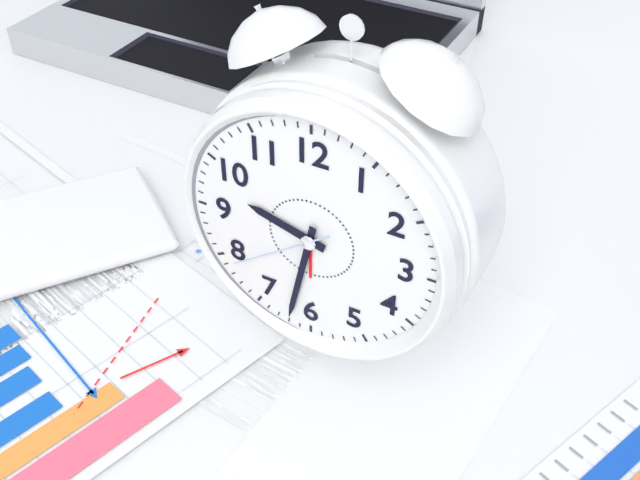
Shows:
{"hour": 9, "minute": 32, "second": 39}
